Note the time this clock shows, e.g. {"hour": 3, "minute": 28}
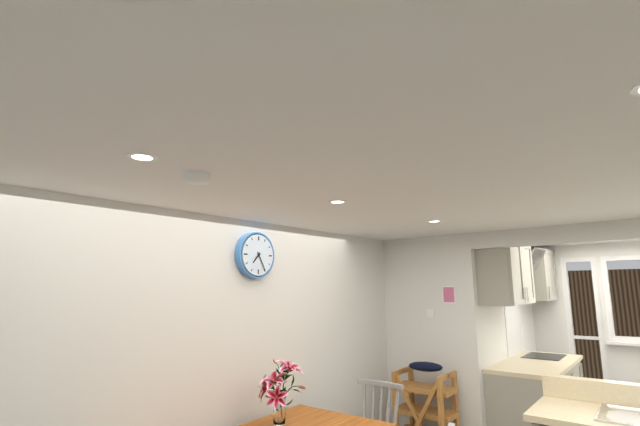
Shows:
{"hour": 7, "minute": 25}
